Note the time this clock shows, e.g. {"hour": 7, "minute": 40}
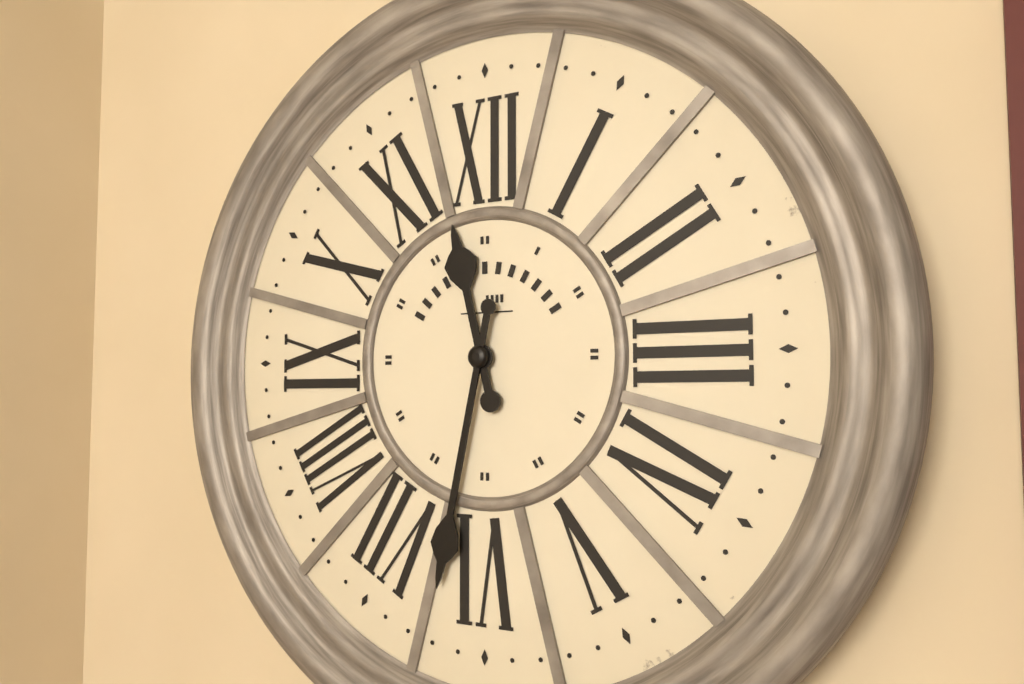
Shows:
{"hour": 11, "minute": 32}
